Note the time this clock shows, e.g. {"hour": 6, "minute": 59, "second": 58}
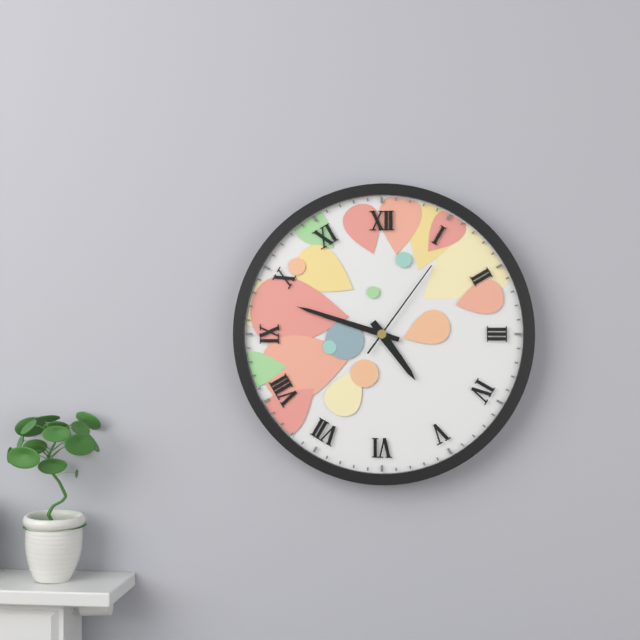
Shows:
{"hour": 4, "minute": 48, "second": 6}
